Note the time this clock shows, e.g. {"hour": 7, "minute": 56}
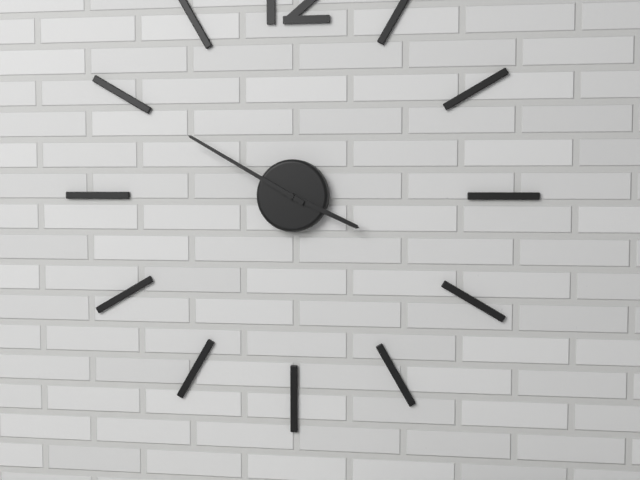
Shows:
{"hour": 3, "minute": 50}
